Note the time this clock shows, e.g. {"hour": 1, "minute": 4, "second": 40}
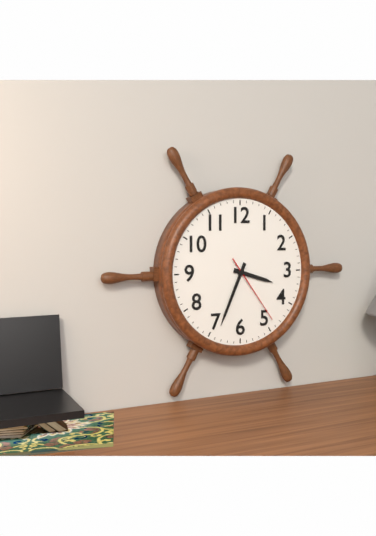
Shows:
{"hour": 3, "minute": 34, "second": 24}
